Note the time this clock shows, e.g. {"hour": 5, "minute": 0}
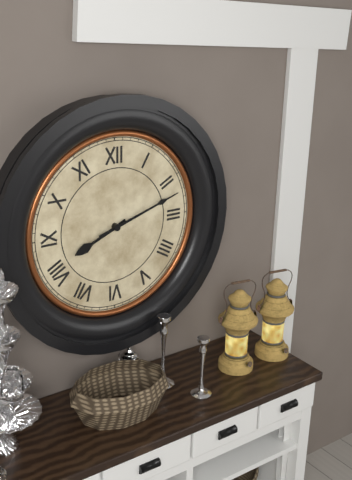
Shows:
{"hour": 8, "minute": 12}
